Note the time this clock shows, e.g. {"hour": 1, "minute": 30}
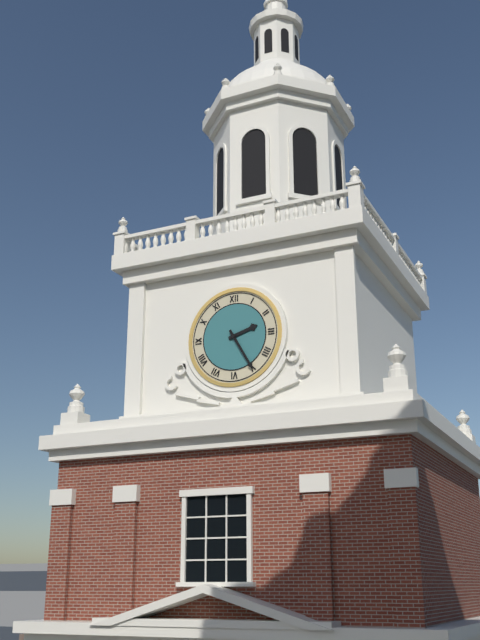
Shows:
{"hour": 2, "minute": 25}
